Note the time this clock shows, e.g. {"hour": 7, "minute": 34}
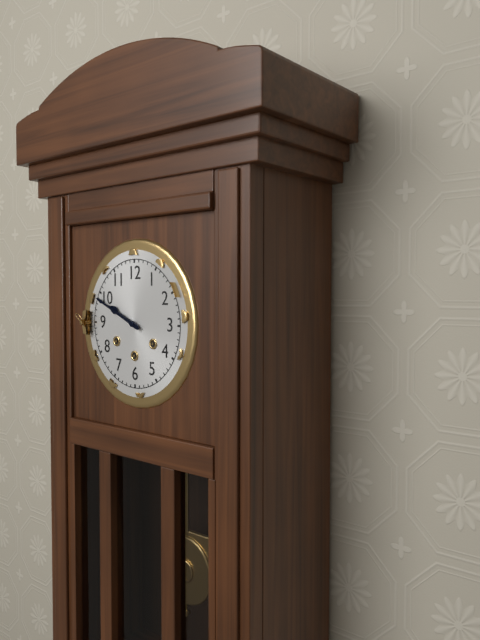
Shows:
{"hour": 9, "minute": 49}
